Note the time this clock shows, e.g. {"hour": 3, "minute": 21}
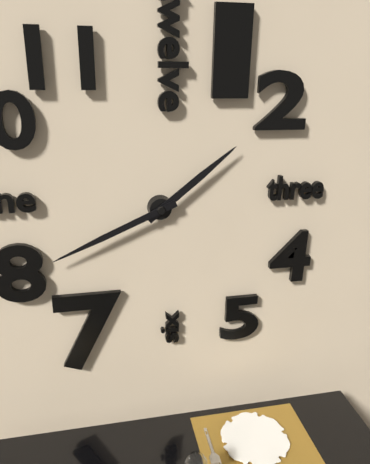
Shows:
{"hour": 1, "minute": 41}
